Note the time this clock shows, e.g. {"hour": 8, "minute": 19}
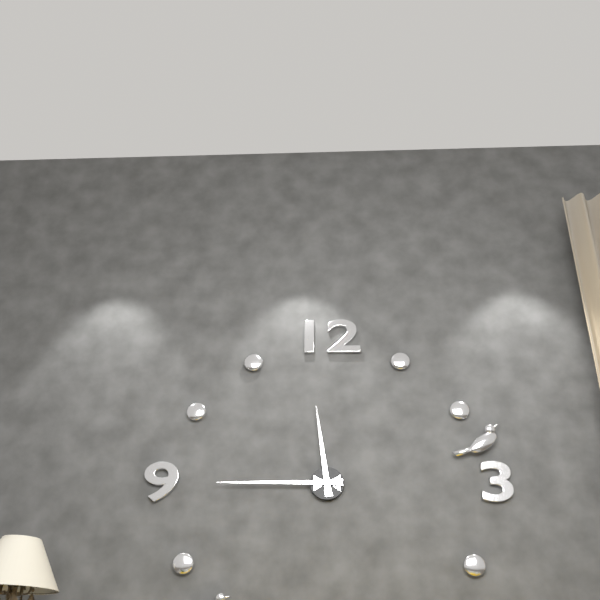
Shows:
{"hour": 11, "minute": 45}
